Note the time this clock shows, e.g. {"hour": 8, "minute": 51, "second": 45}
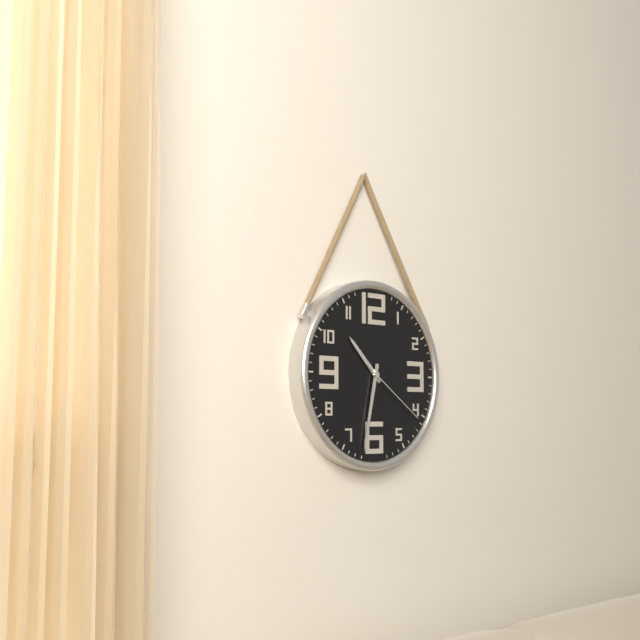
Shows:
{"hour": 10, "minute": 32, "second": 21}
